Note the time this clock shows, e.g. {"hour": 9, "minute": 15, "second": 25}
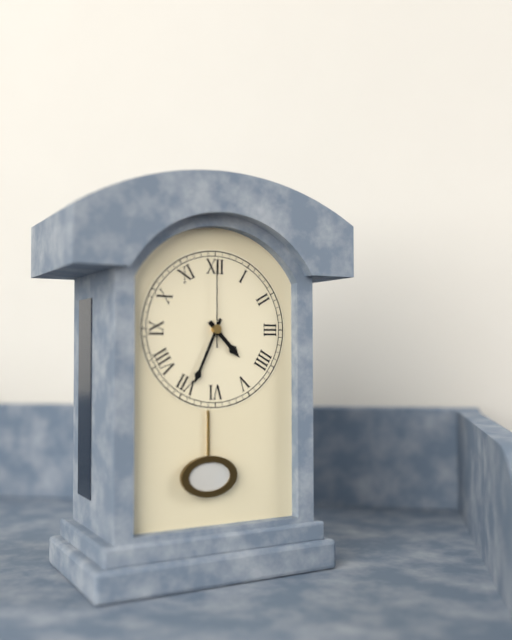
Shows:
{"hour": 4, "minute": 34, "second": 0}
